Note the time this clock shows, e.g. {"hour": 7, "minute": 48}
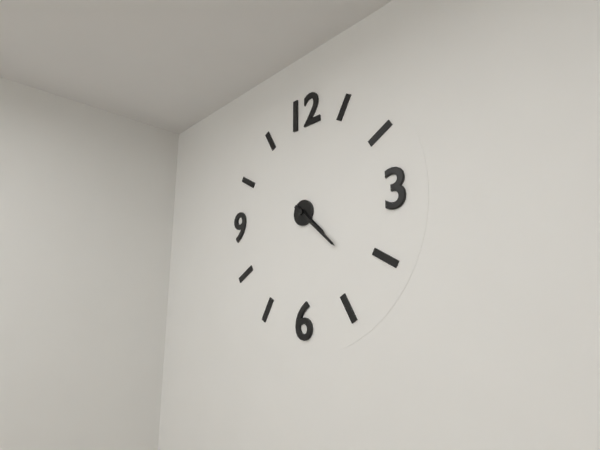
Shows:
{"hour": 4, "minute": 22}
